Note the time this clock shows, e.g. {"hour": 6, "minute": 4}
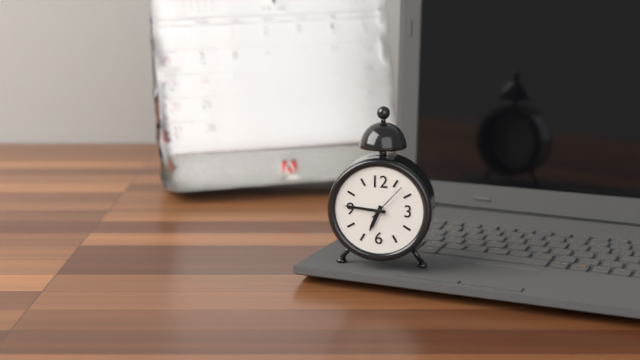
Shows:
{"hour": 6, "minute": 46}
